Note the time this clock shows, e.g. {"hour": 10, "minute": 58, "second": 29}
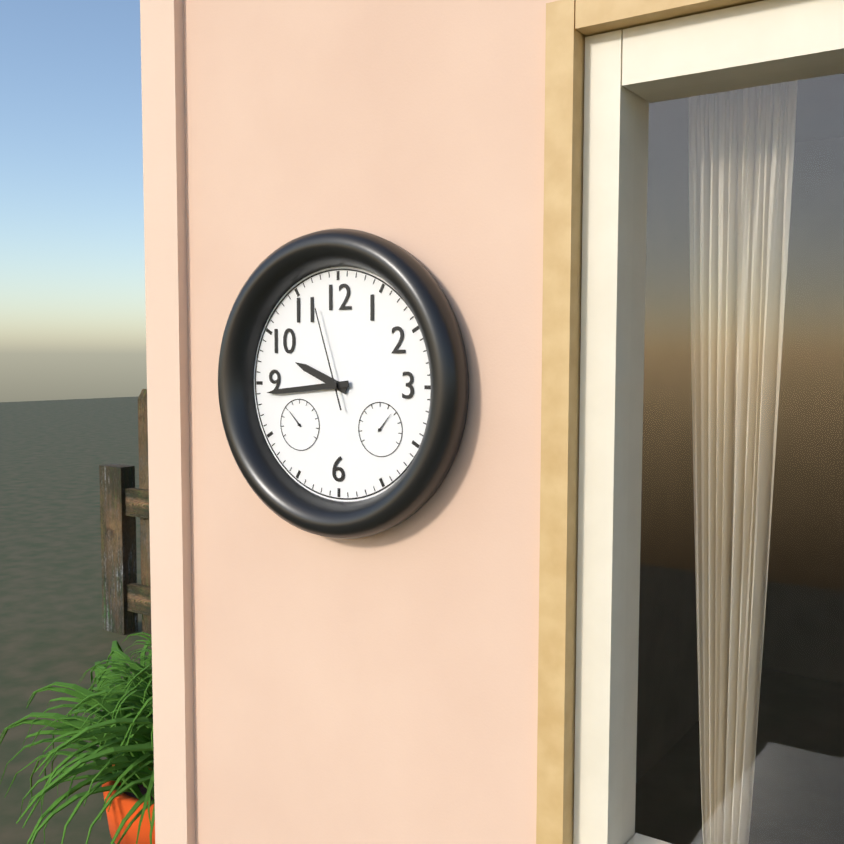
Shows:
{"hour": 9, "minute": 44, "second": 57}
